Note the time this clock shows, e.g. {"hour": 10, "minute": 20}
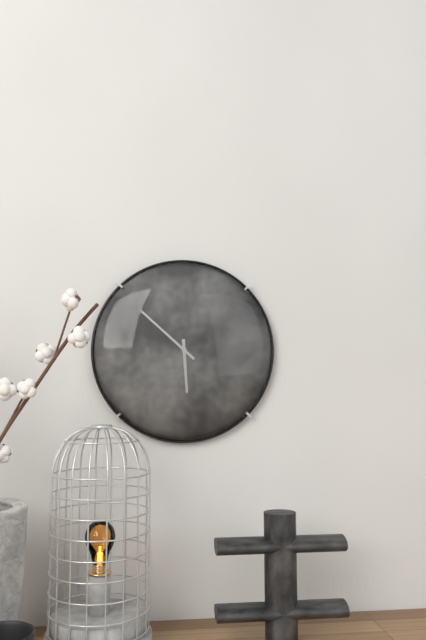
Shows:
{"hour": 5, "minute": 52}
